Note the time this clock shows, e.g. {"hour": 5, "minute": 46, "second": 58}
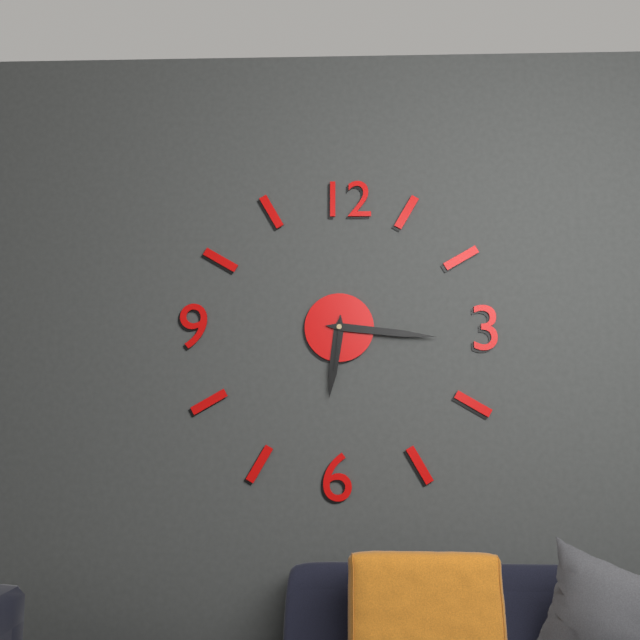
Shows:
{"hour": 6, "minute": 16, "second": 31}
